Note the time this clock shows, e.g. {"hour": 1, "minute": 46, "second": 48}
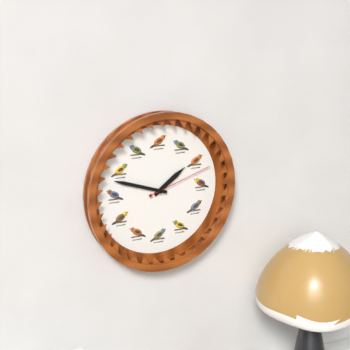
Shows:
{"hour": 1, "minute": 48, "second": 12}
